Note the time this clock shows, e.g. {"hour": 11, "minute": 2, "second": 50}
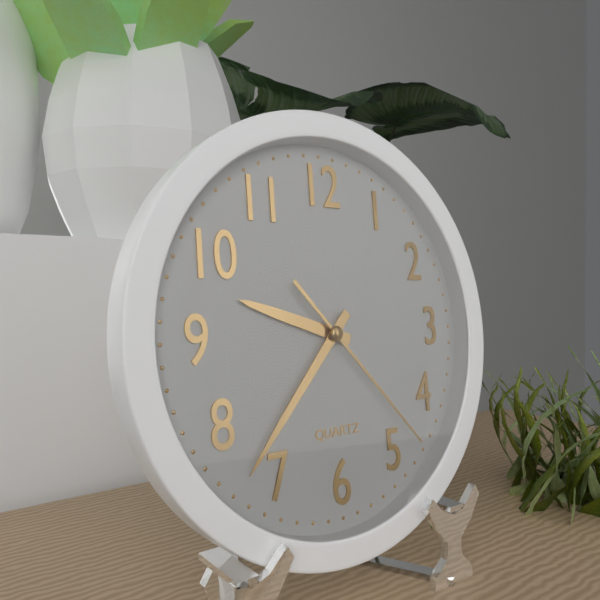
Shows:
{"hour": 9, "minute": 37, "second": 23}
